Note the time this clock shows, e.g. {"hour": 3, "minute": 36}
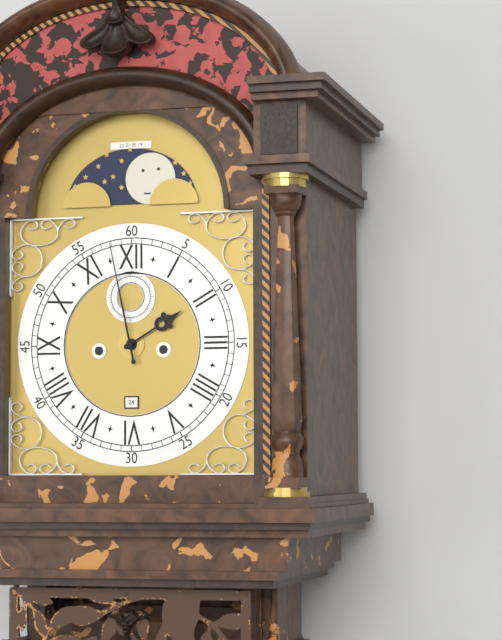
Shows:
{"hour": 1, "minute": 58}
